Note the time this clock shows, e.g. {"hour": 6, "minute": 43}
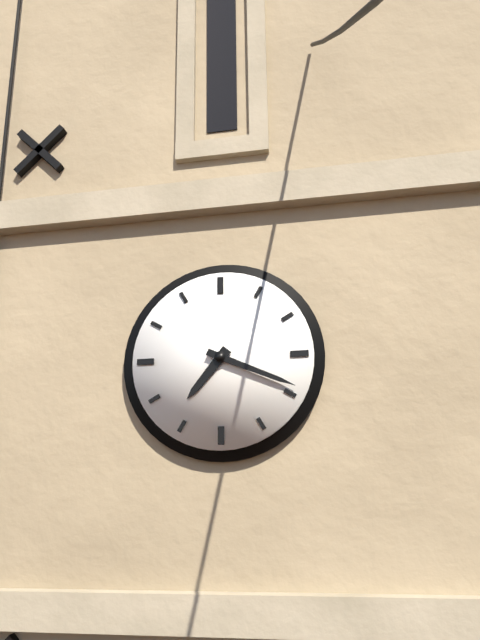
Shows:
{"hour": 7, "minute": 19}
